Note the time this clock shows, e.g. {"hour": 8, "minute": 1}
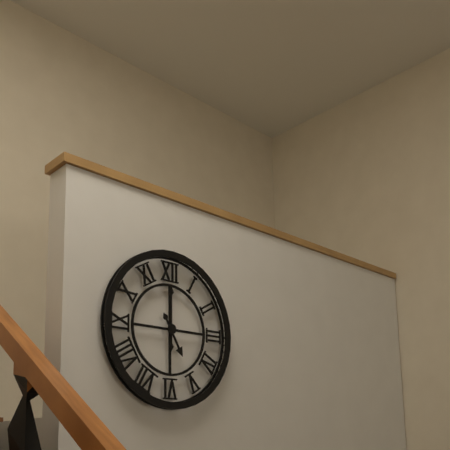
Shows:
{"hour": 5, "minute": 0}
